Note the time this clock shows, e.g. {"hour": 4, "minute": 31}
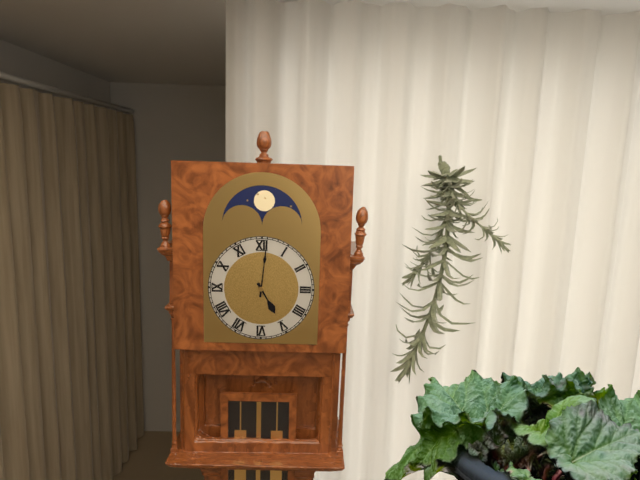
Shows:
{"hour": 5, "minute": 1}
